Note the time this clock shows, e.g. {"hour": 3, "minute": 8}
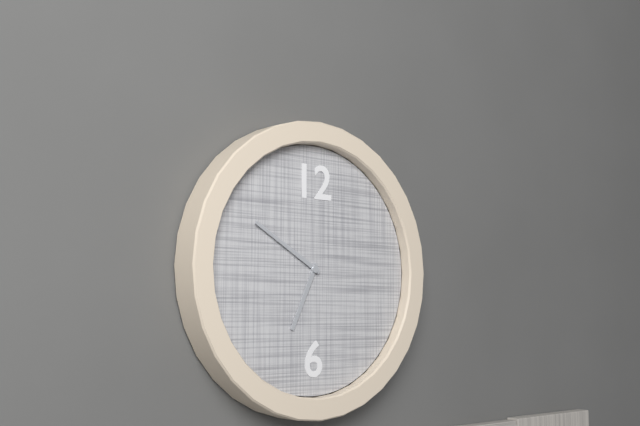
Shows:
{"hour": 6, "minute": 50}
